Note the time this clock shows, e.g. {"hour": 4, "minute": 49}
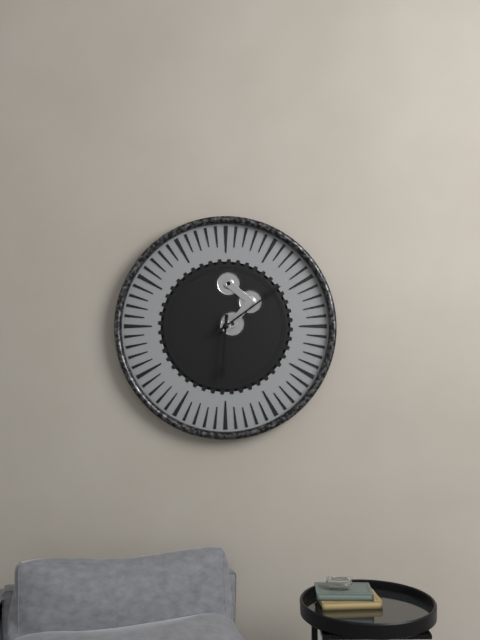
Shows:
{"hour": 6, "minute": 9}
